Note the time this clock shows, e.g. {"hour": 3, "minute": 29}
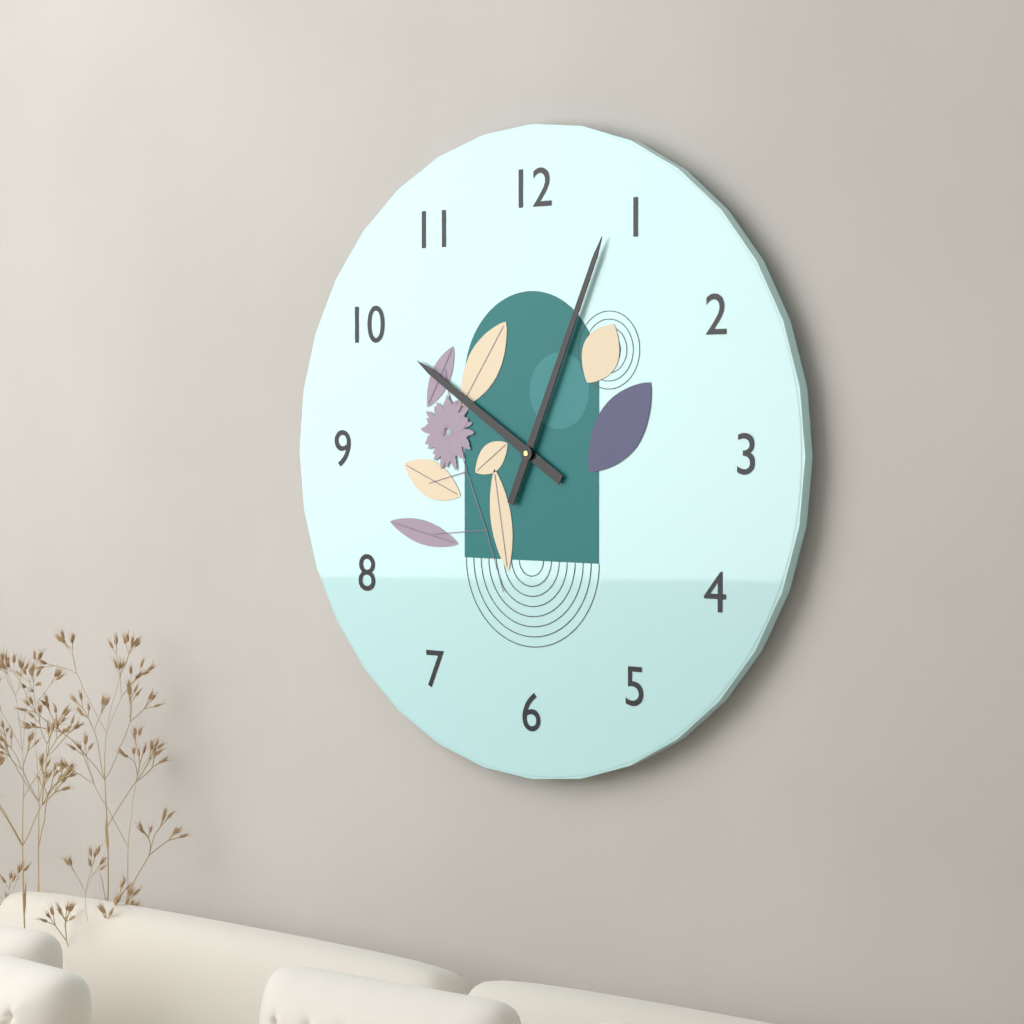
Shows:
{"hour": 10, "minute": 4}
